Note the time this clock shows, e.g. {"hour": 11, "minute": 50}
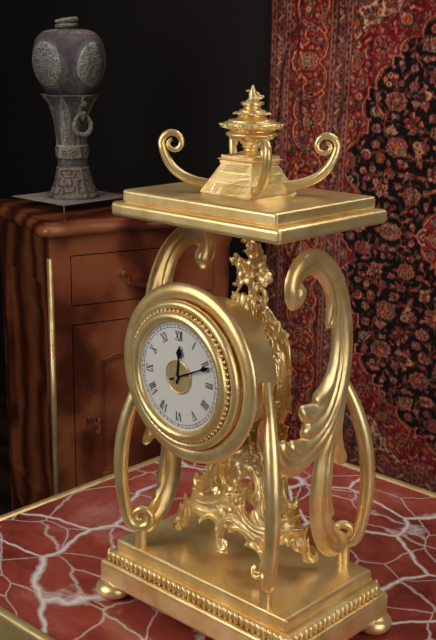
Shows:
{"hour": 12, "minute": 11}
